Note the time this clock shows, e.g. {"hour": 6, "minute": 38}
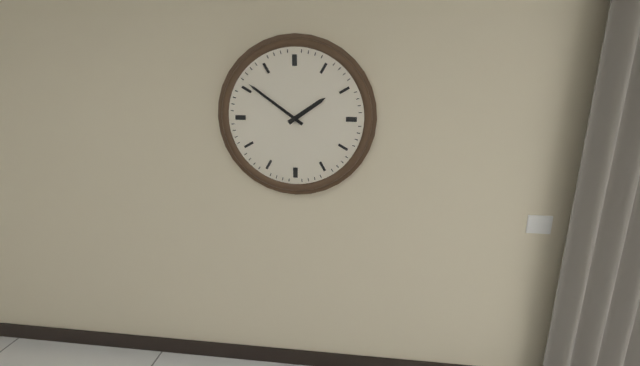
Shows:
{"hour": 1, "minute": 51}
